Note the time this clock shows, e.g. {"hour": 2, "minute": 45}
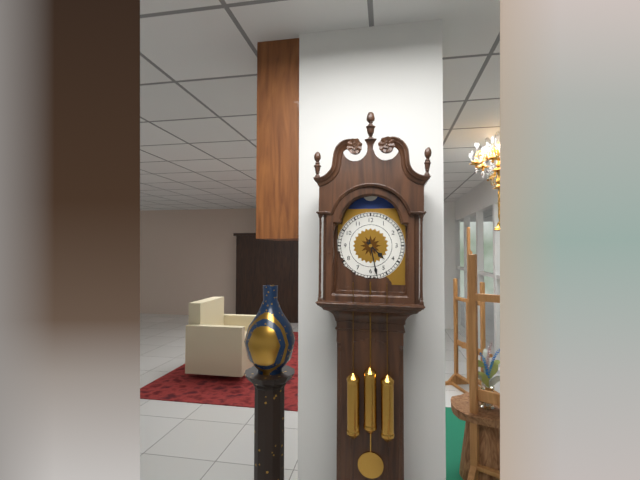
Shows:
{"hour": 4, "minute": 28}
